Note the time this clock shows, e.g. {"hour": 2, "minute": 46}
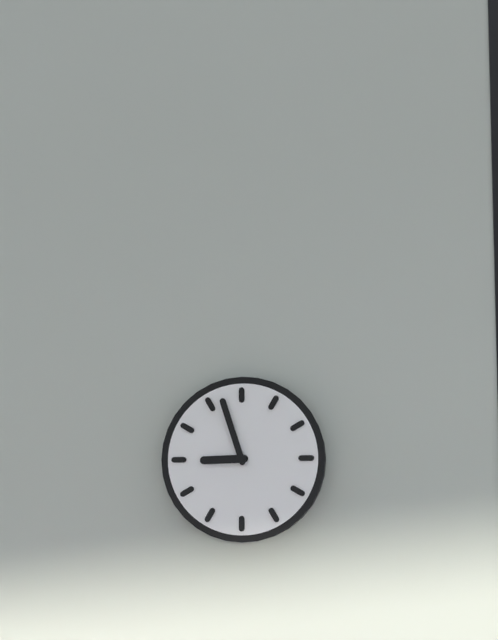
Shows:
{"hour": 8, "minute": 57}
